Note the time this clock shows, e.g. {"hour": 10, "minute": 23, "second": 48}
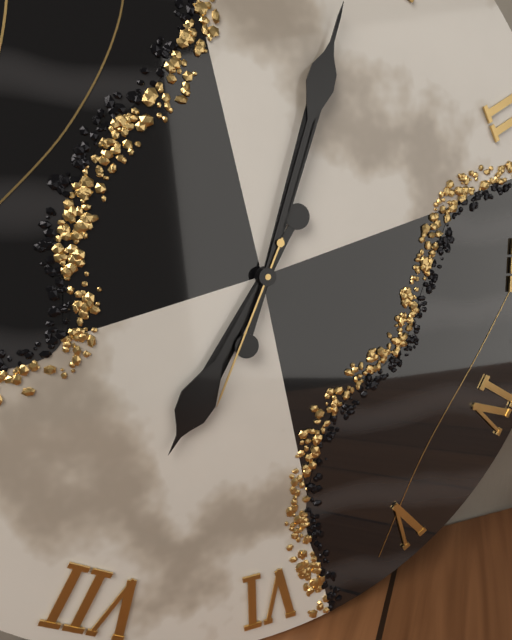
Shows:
{"hour": 7, "minute": 3, "second": 34}
